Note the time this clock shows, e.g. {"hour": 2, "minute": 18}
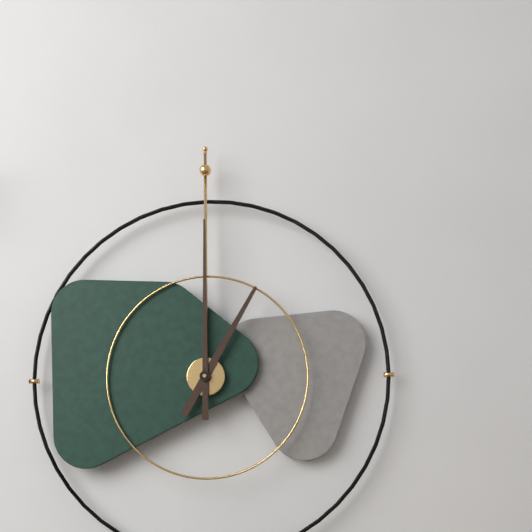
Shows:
{"hour": 1, "minute": 0}
